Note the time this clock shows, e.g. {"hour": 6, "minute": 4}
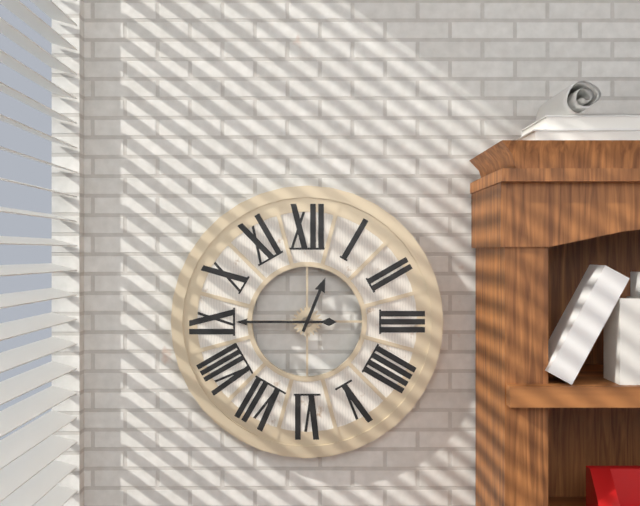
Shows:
{"hour": 12, "minute": 45}
